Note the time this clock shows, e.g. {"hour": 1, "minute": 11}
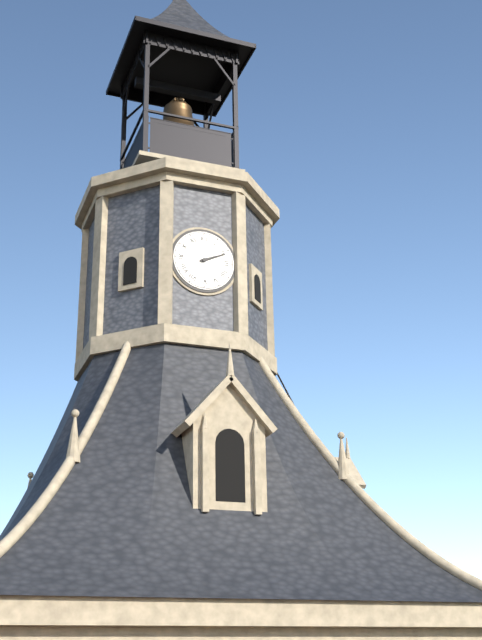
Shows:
{"hour": 2, "minute": 11}
